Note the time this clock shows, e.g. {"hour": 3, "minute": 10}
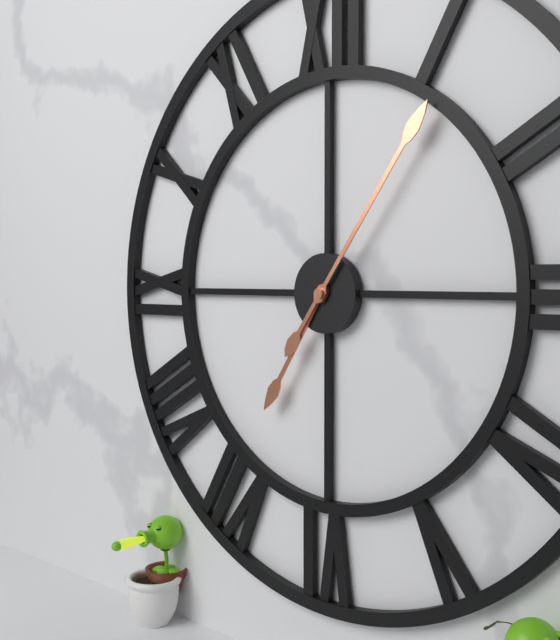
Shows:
{"hour": 7, "minute": 6}
